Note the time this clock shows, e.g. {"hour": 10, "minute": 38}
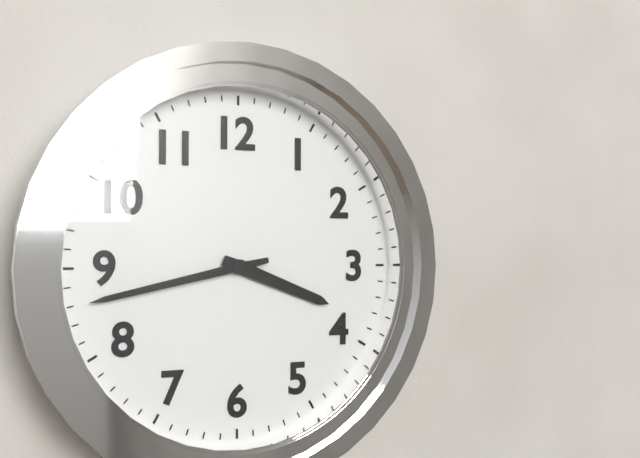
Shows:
{"hour": 3, "minute": 43}
